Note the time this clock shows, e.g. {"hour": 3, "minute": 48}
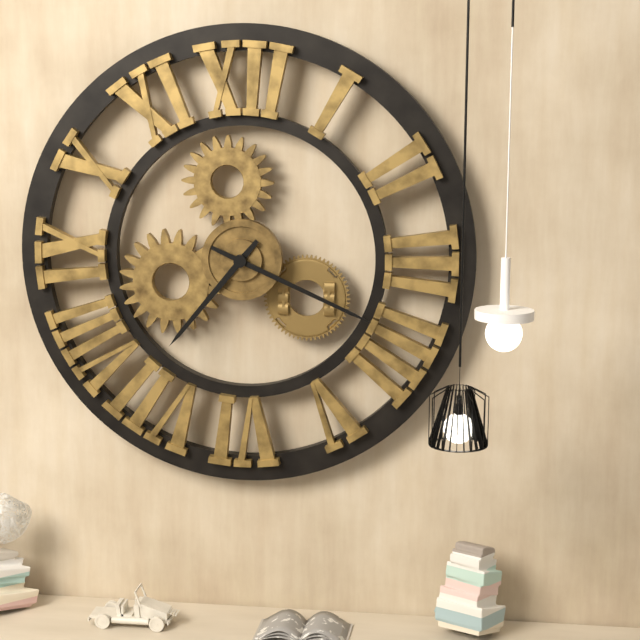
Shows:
{"hour": 7, "minute": 19}
